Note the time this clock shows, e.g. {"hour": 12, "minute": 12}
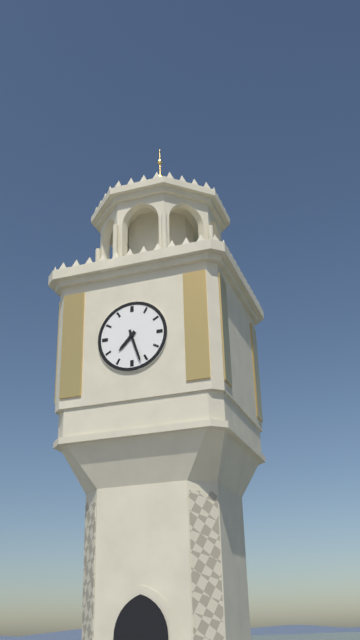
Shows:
{"hour": 7, "minute": 27}
